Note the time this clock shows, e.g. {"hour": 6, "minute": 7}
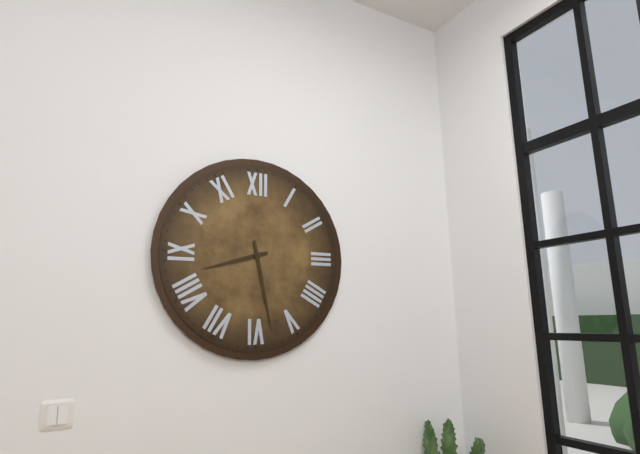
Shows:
{"hour": 8, "minute": 28}
